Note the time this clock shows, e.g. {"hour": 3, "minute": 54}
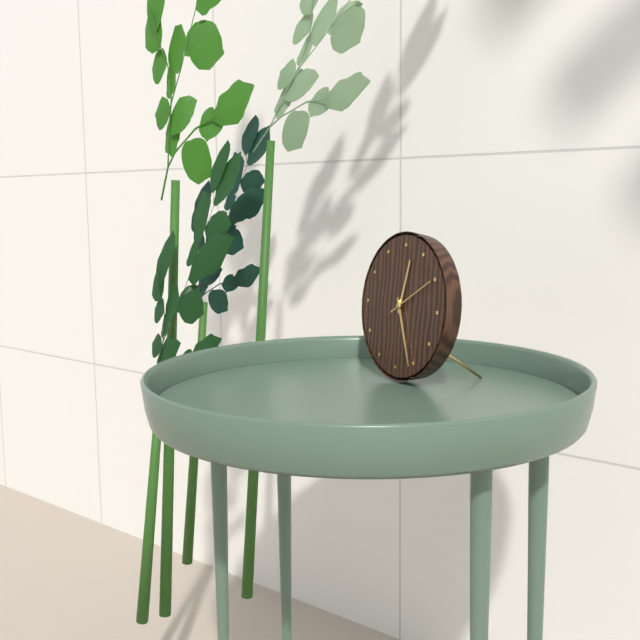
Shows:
{"hour": 12, "minute": 26}
